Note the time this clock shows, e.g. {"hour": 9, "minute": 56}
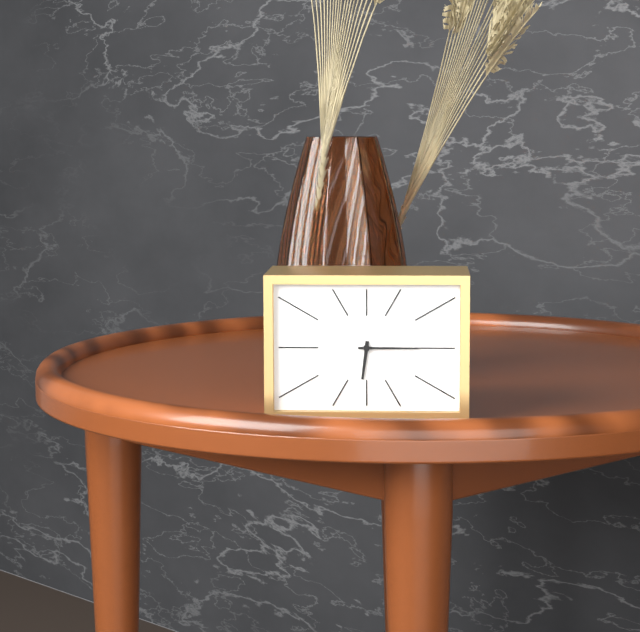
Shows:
{"hour": 6, "minute": 15}
